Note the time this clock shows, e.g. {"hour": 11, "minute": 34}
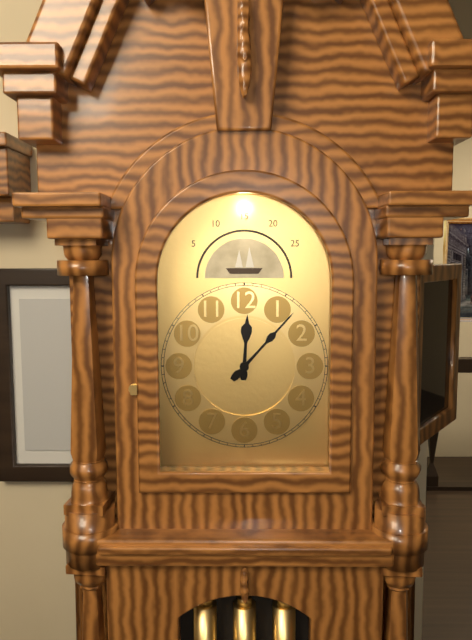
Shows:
{"hour": 12, "minute": 7}
